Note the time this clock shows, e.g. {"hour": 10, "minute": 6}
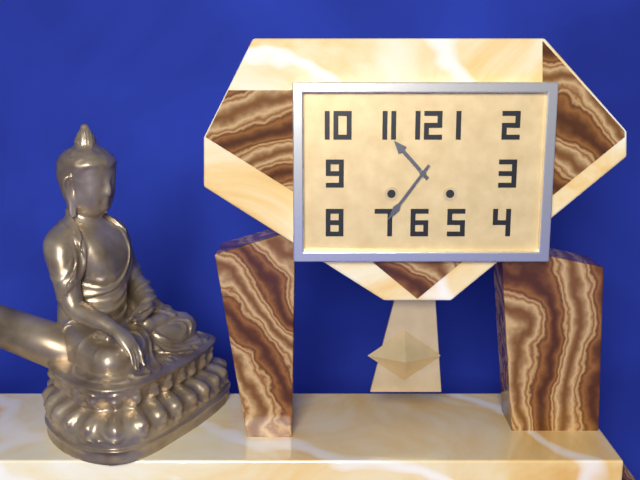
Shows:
{"hour": 10, "minute": 36}
